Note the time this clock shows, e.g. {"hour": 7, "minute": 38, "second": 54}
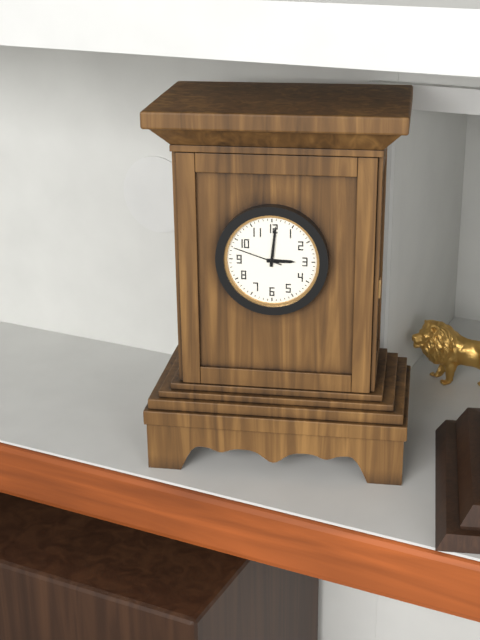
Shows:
{"hour": 3, "minute": 1, "second": 48}
